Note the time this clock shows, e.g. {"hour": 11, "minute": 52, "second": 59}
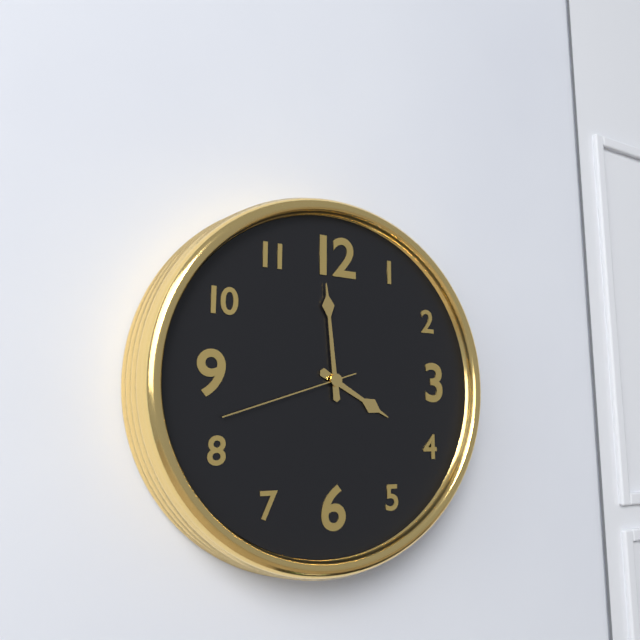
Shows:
{"hour": 3, "minute": 59, "second": 42}
